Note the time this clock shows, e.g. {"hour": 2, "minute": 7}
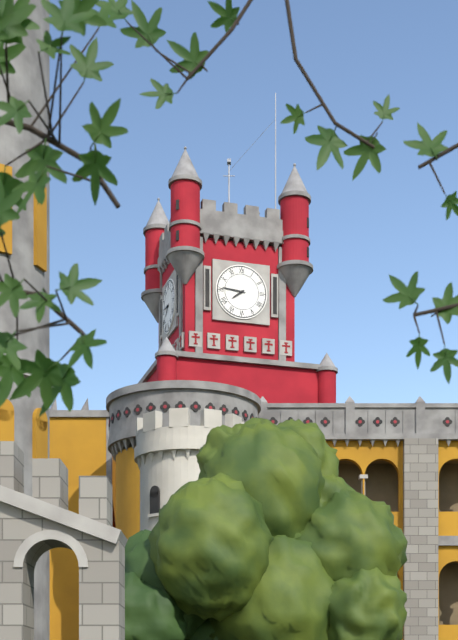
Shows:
{"hour": 7, "minute": 46}
